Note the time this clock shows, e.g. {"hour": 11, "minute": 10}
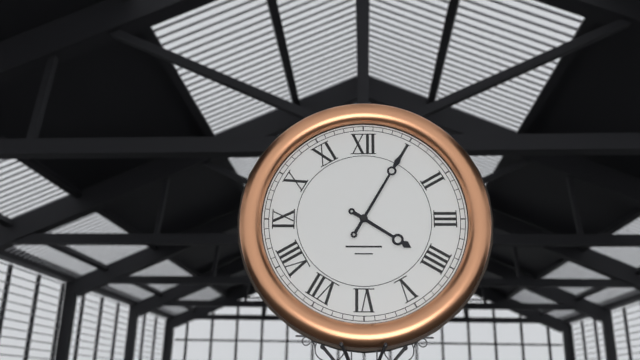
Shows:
{"hour": 4, "minute": 5}
